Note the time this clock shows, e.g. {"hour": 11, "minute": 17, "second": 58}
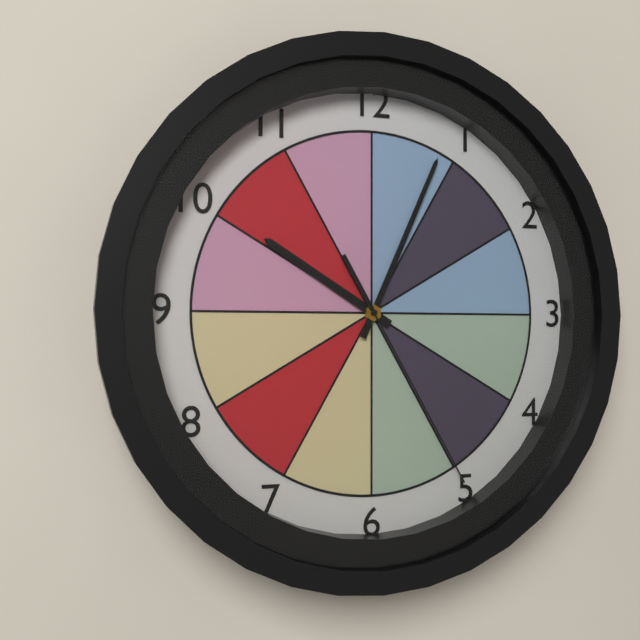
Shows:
{"hour": 10, "minute": 4, "second": 25}
